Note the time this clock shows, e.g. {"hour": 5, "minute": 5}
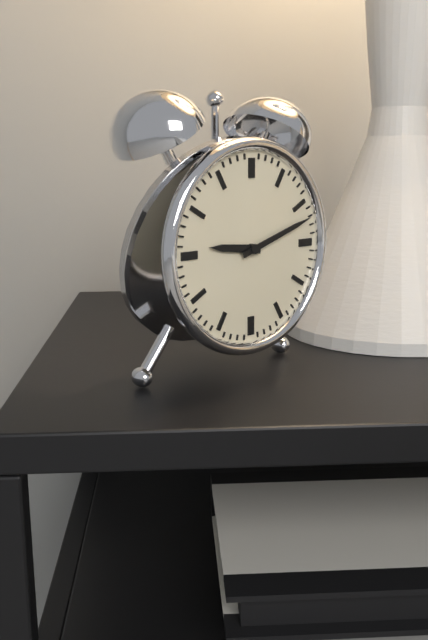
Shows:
{"hour": 9, "minute": 12}
